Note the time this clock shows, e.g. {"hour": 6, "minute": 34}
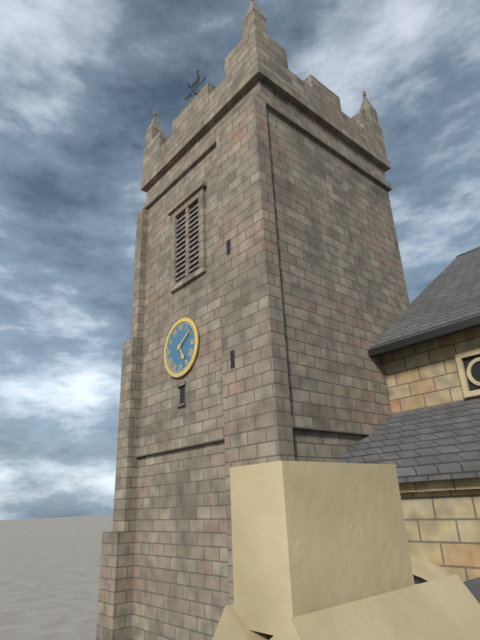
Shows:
{"hour": 5, "minute": 9}
